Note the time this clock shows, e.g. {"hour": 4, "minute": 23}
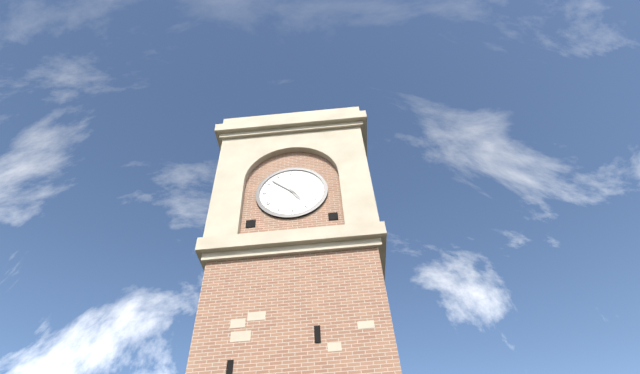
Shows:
{"hour": 4, "minute": 52}
